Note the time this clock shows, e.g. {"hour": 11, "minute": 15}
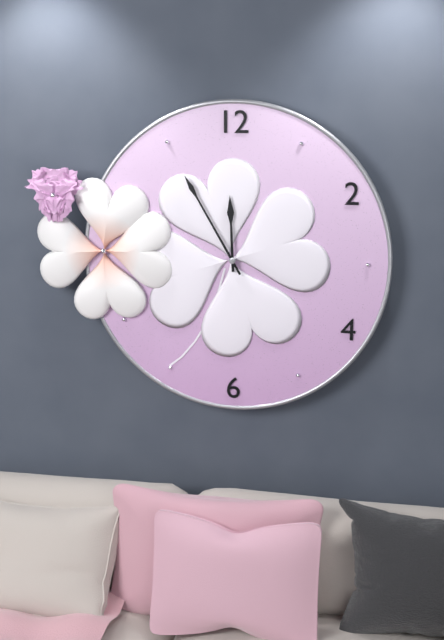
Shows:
{"hour": 11, "minute": 55}
